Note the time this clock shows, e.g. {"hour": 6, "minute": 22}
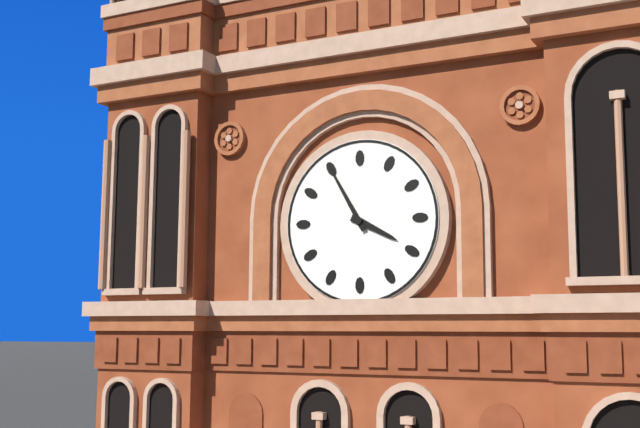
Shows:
{"hour": 3, "minute": 55}
